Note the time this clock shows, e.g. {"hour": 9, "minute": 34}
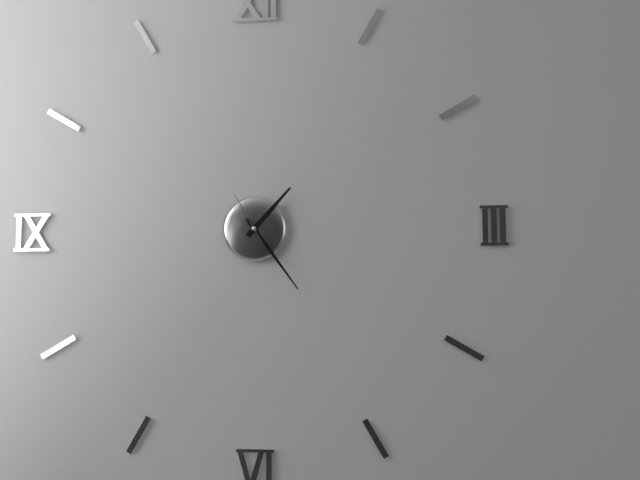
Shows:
{"hour": 1, "minute": 24}
